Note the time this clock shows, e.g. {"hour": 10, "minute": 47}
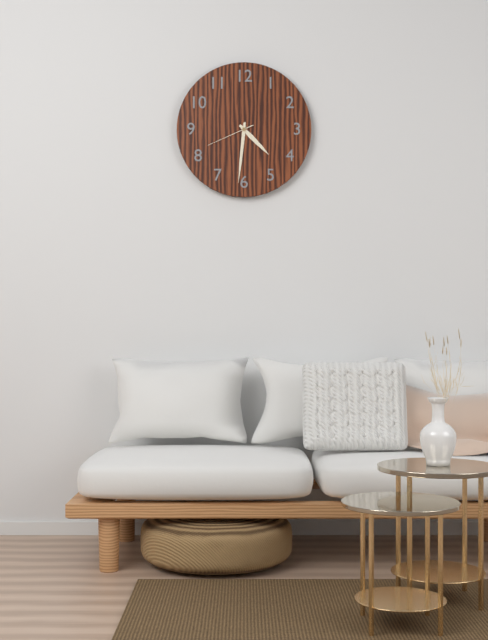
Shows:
{"hour": 4, "minute": 31}
